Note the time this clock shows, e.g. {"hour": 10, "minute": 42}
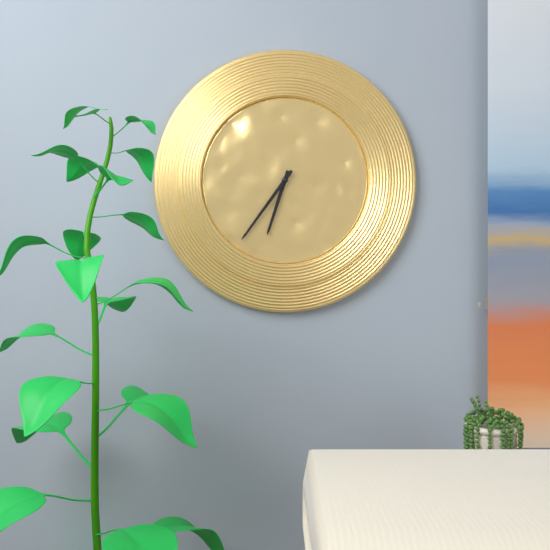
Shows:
{"hour": 6, "minute": 36}
